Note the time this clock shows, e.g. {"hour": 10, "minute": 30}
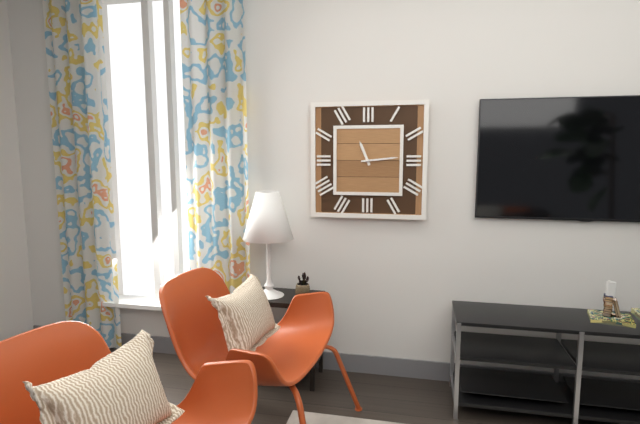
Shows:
{"hour": 11, "minute": 14}
